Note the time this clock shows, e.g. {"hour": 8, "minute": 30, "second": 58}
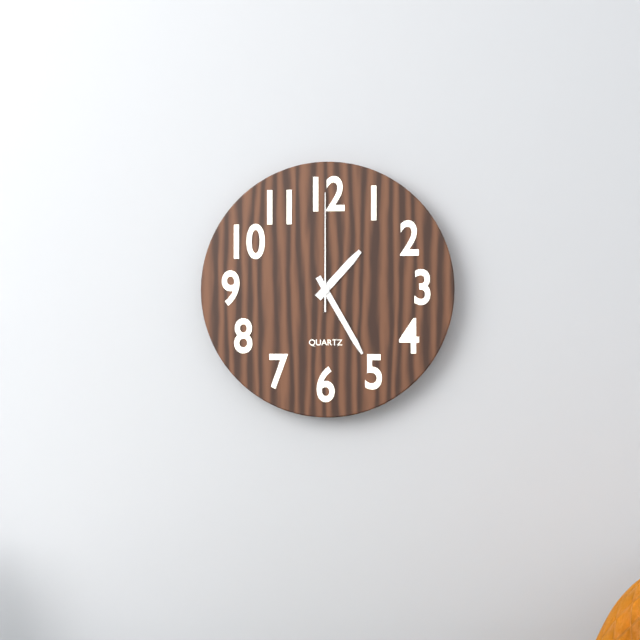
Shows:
{"hour": 1, "minute": 25, "second": 0}
